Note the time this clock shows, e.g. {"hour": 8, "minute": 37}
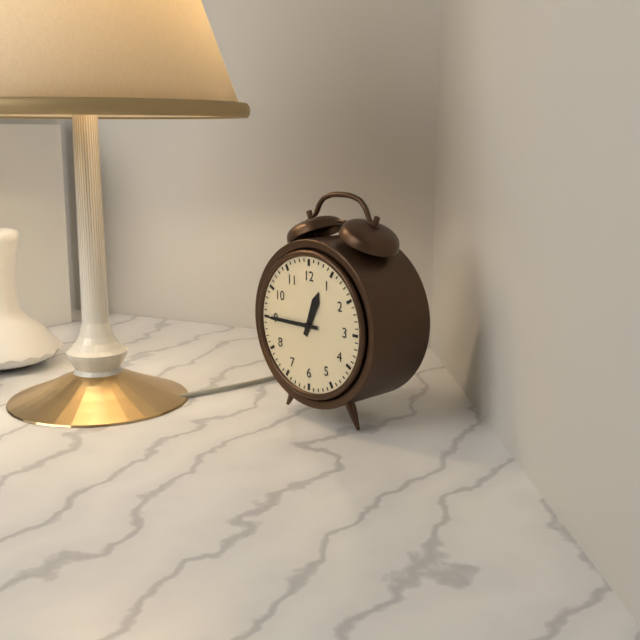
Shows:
{"hour": 12, "minute": 45}
